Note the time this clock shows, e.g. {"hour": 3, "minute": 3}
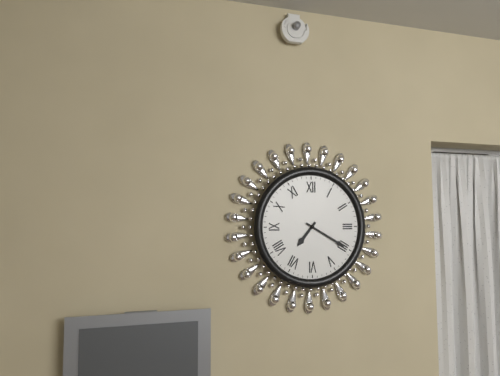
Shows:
{"hour": 7, "minute": 20}
